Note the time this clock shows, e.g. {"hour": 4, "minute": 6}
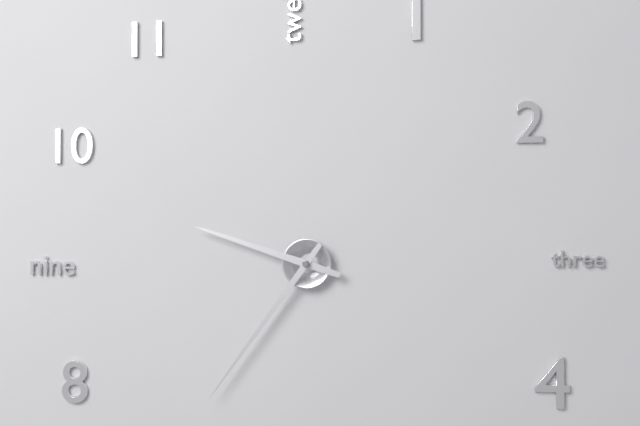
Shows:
{"hour": 9, "minute": 36}
